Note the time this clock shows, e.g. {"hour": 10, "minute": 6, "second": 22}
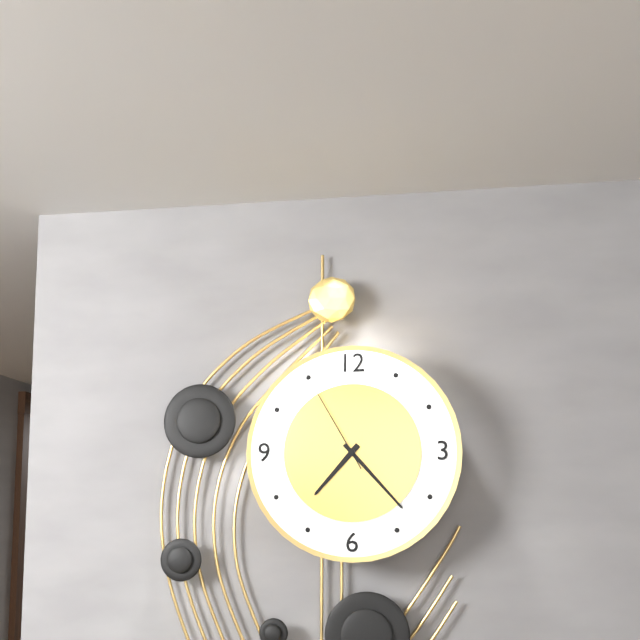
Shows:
{"hour": 7, "minute": 23, "second": 55}
